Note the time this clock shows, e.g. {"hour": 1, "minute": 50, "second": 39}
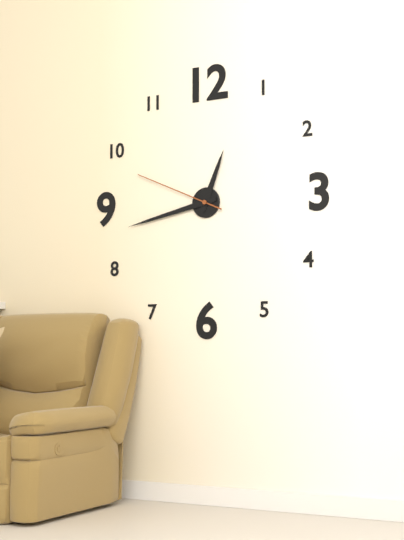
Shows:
{"hour": 12, "minute": 43, "second": 49}
